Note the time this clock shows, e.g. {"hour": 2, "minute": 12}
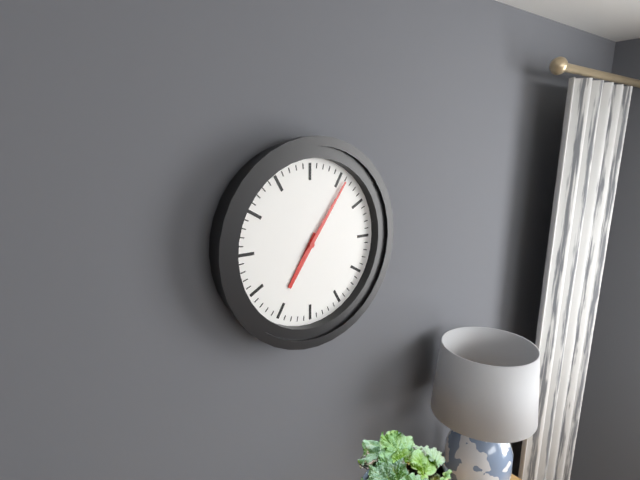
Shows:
{"hour": 7, "minute": 6}
